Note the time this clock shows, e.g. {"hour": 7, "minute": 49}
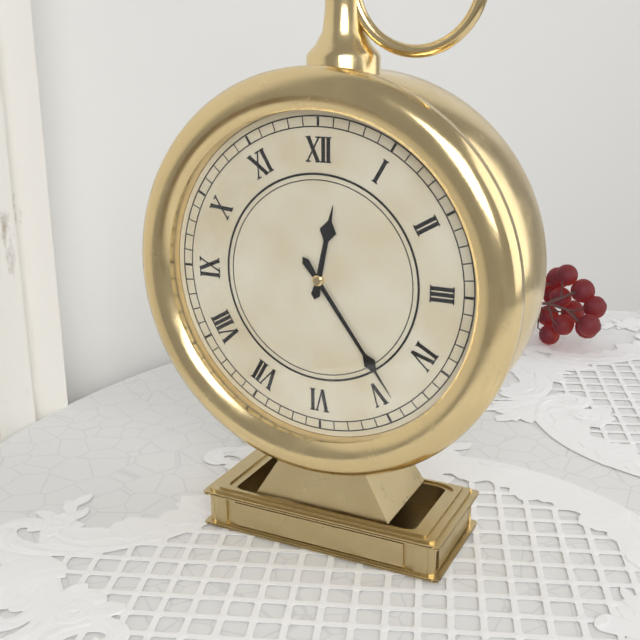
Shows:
{"hour": 12, "minute": 24}
